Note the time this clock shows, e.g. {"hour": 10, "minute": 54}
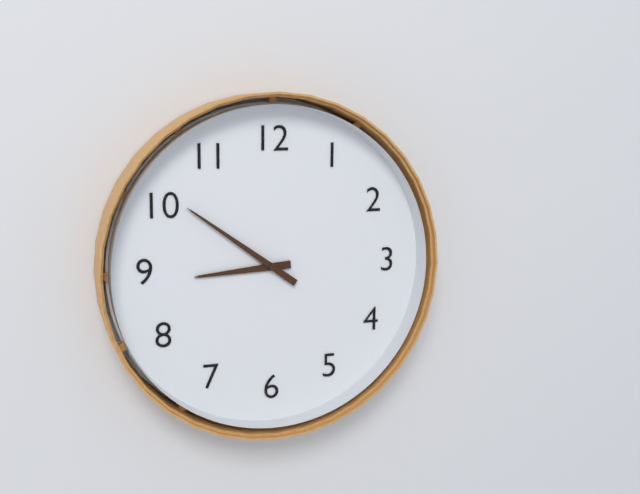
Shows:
{"hour": 8, "minute": 51}
